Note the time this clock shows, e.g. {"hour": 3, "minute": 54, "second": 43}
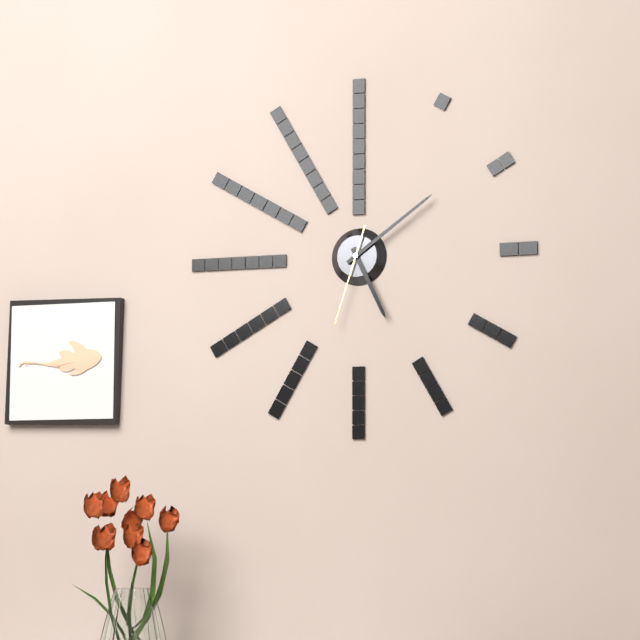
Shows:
{"hour": 5, "minute": 9, "second": 33}
